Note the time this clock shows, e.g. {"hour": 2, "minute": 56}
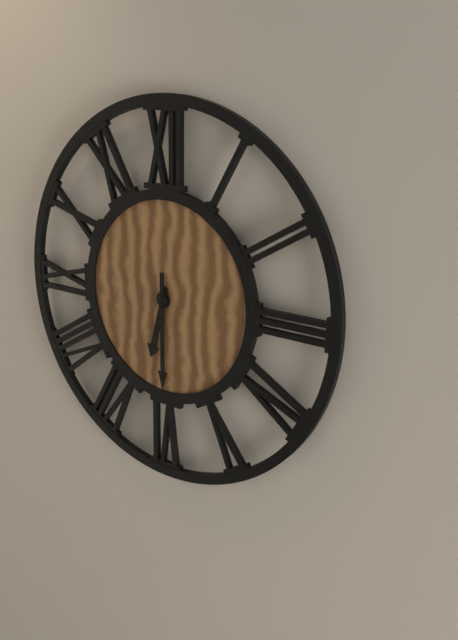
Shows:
{"hour": 6, "minute": 30}
